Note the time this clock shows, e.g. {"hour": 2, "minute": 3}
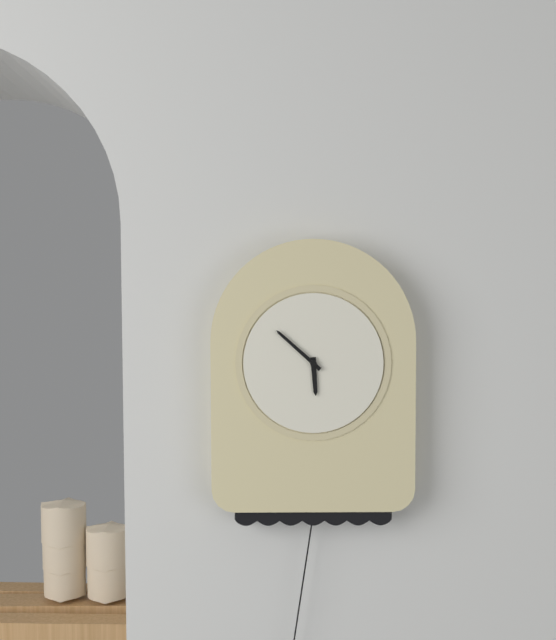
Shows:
{"hour": 5, "minute": 52}
